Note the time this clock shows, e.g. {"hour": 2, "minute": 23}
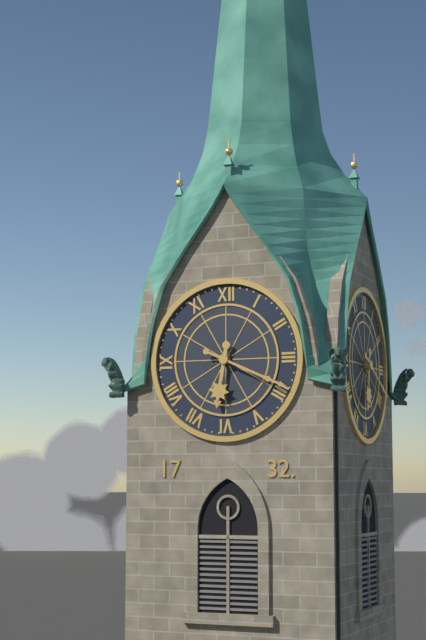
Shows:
{"hour": 6, "minute": 19}
